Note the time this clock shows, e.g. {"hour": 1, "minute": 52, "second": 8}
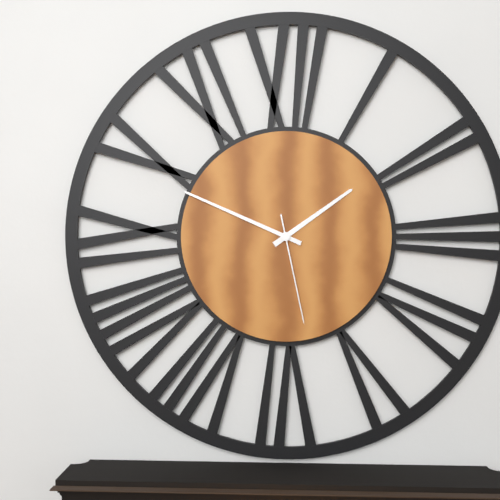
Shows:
{"hour": 1, "minute": 49, "second": 28}
